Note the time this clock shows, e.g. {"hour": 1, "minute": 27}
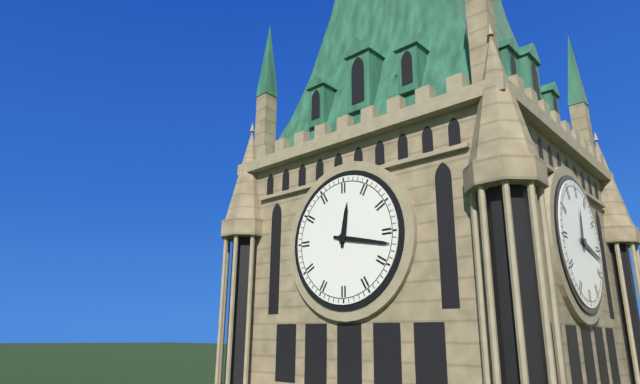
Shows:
{"hour": 12, "minute": 17}
